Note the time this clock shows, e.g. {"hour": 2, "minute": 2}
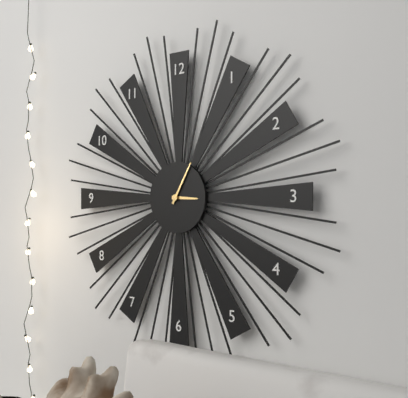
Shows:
{"hour": 3, "minute": 5}
